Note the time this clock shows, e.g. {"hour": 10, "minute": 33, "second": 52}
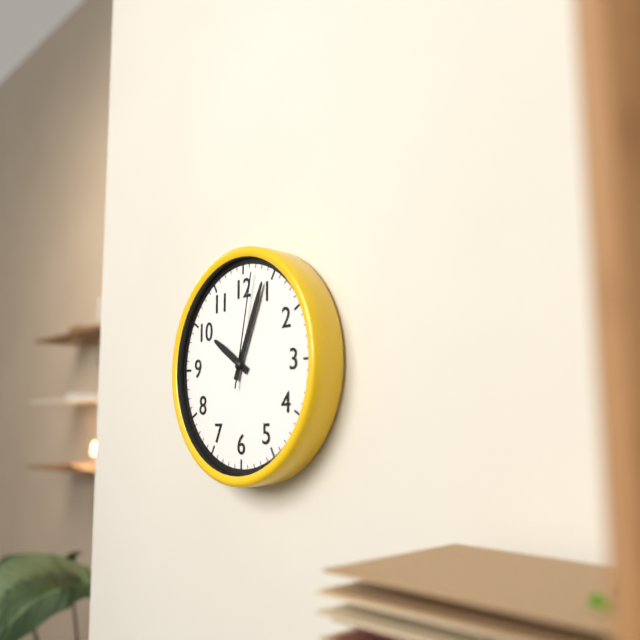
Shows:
{"hour": 10, "minute": 4, "second": 2}
